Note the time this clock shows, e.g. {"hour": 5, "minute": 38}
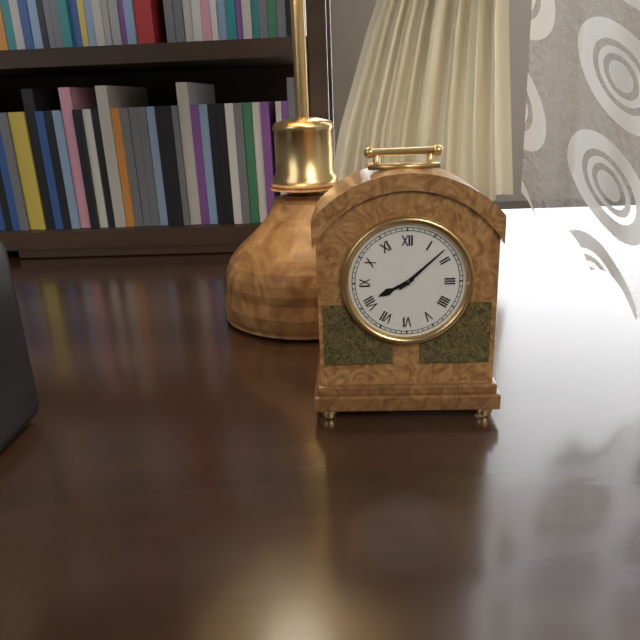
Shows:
{"hour": 8, "minute": 8}
